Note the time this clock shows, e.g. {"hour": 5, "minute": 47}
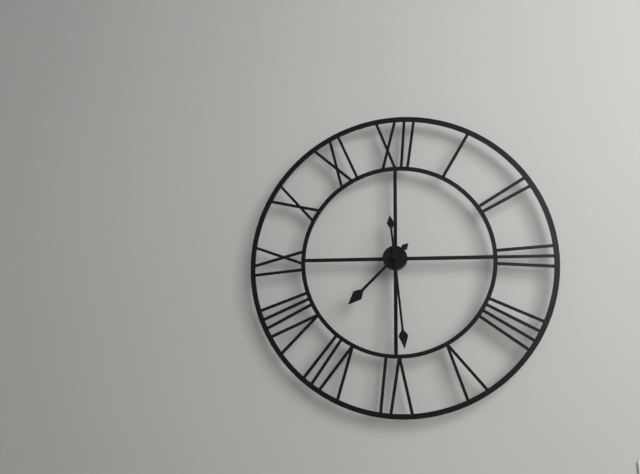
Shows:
{"hour": 7, "minute": 29}
